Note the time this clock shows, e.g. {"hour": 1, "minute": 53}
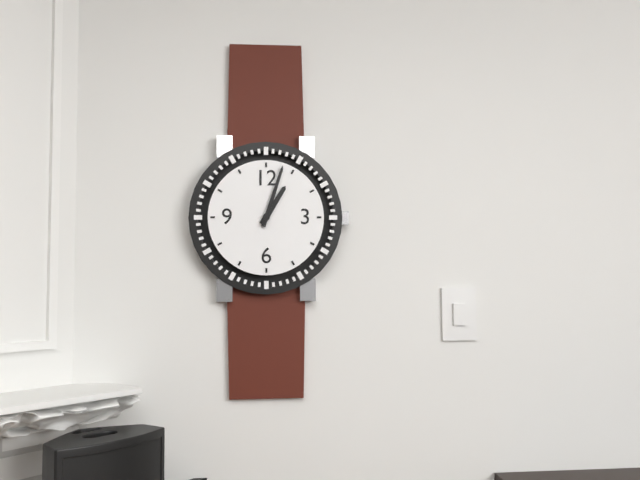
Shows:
{"hour": 1, "minute": 3}
